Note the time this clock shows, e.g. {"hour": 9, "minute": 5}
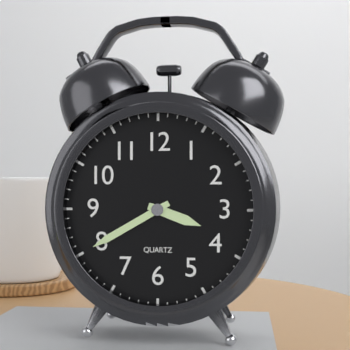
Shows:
{"hour": 3, "minute": 40}
